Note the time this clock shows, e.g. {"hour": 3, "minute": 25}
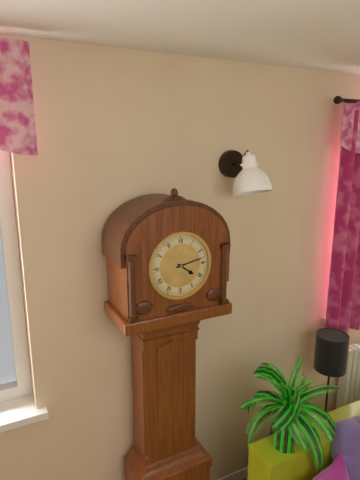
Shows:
{"hour": 4, "minute": 13}
